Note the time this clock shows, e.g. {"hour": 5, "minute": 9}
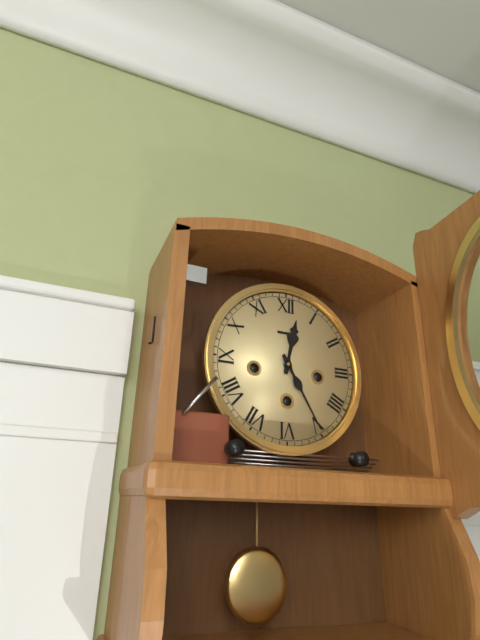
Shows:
{"hour": 12, "minute": 25}
